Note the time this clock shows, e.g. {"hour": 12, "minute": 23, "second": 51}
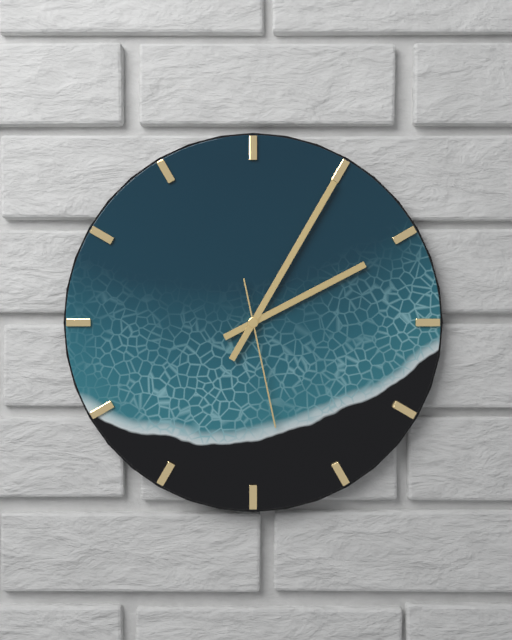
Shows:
{"hour": 2, "minute": 5, "second": 28}
